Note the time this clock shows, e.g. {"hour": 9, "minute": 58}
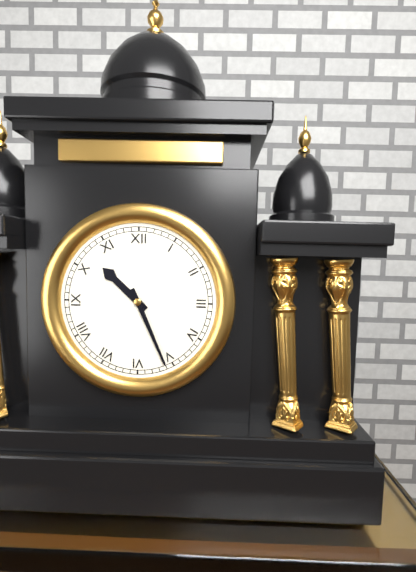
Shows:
{"hour": 10, "minute": 26}
